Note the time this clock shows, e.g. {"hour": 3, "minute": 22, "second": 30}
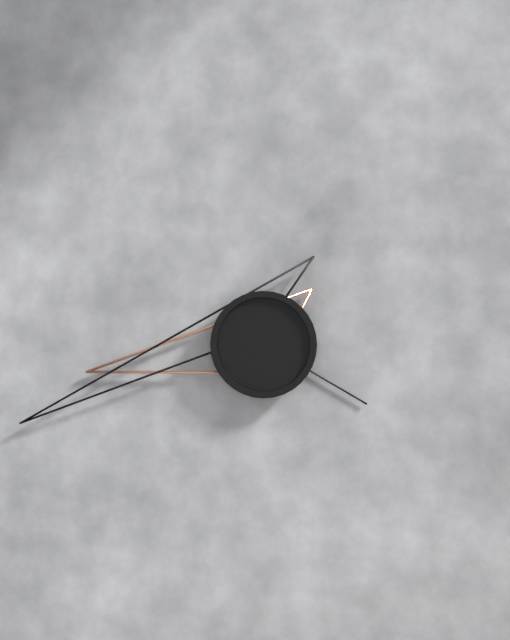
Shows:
{"hour": 8, "minute": 42, "second": 20}
